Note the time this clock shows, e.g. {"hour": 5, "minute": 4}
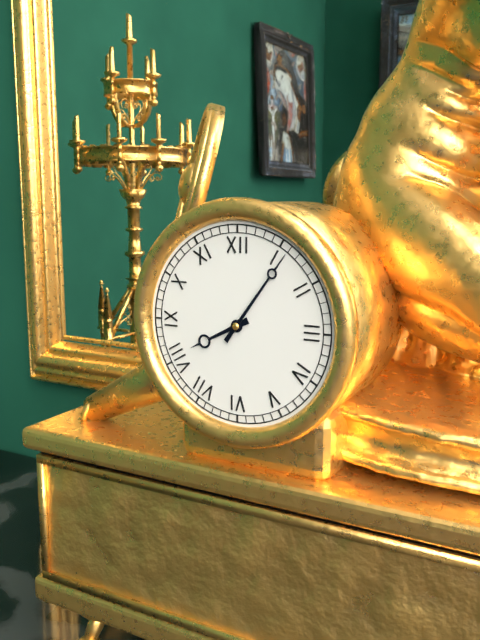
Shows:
{"hour": 8, "minute": 6}
